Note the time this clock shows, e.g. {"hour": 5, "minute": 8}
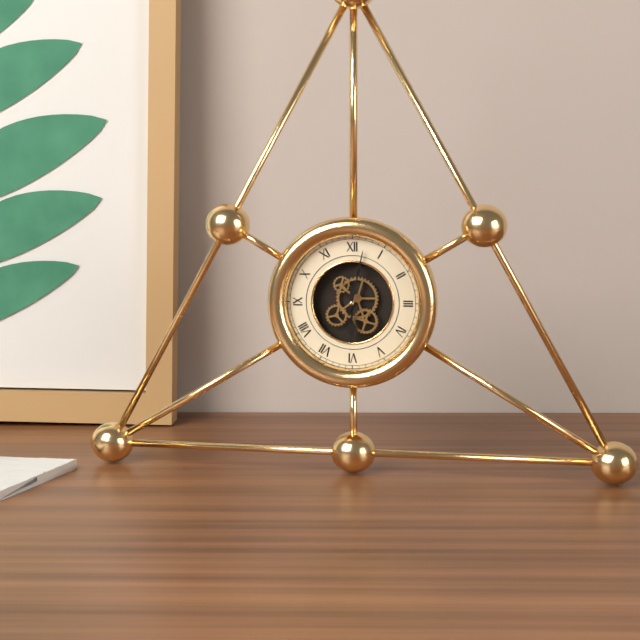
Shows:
{"hour": 6, "minute": 2}
